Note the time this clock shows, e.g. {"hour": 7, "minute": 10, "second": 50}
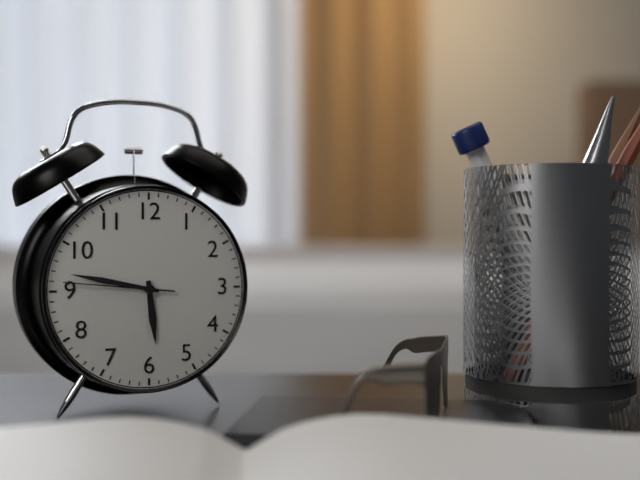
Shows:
{"hour": 5, "minute": 47, "second": 46}
